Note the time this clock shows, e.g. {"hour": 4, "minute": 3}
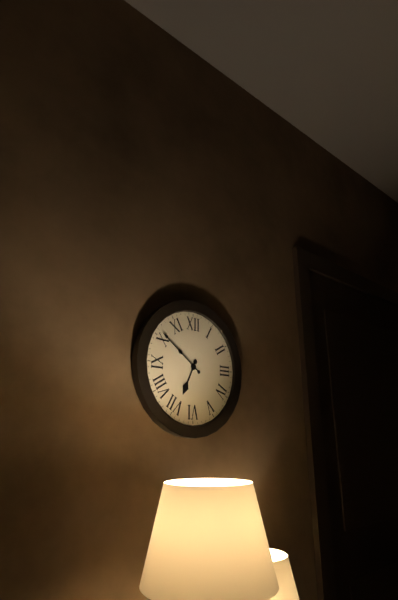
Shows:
{"hour": 6, "minute": 51}
